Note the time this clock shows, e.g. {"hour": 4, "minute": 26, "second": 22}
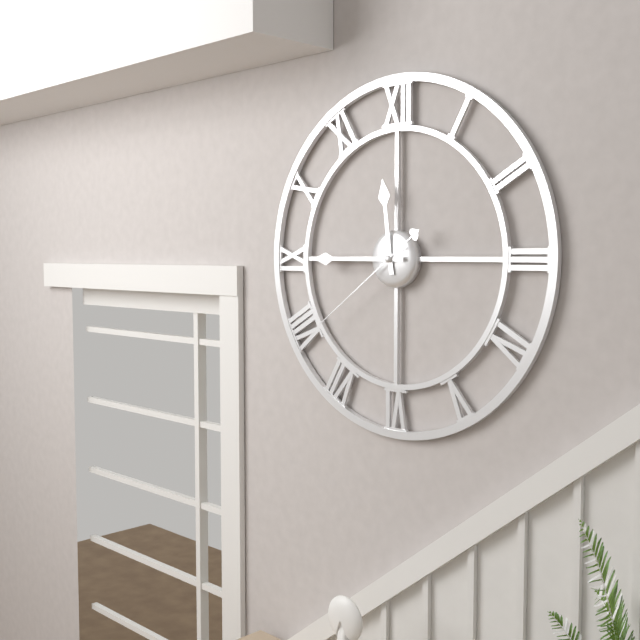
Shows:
{"hour": 11, "minute": 45, "second": 39}
